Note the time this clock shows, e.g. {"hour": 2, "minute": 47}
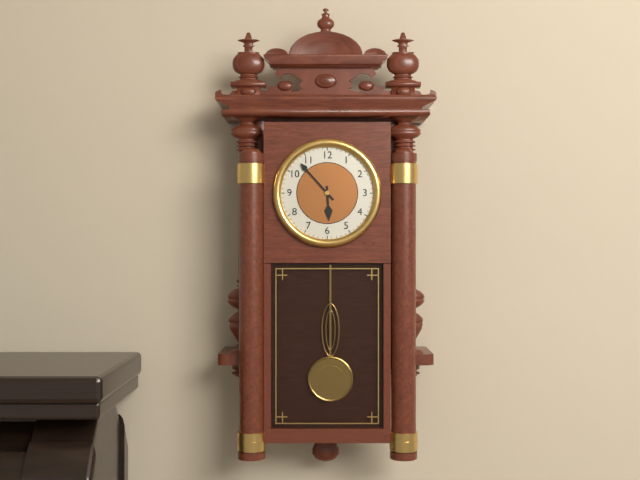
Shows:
{"hour": 5, "minute": 53}
